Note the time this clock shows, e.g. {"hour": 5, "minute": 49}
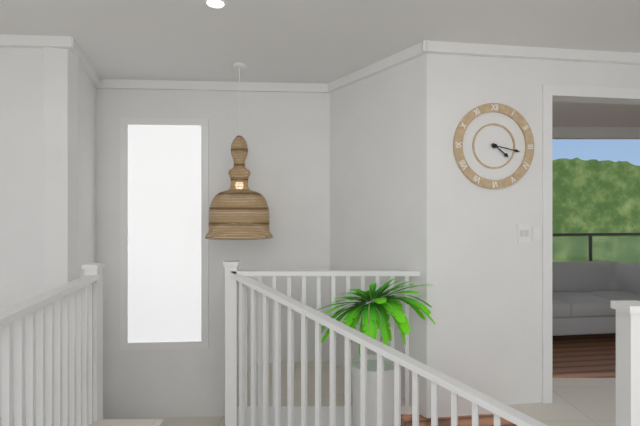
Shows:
{"hour": 4, "minute": 17}
